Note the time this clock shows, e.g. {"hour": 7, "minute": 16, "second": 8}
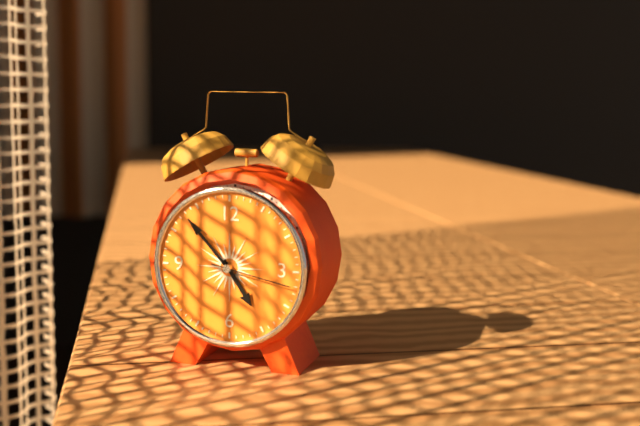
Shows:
{"hour": 4, "minute": 53, "second": 17}
